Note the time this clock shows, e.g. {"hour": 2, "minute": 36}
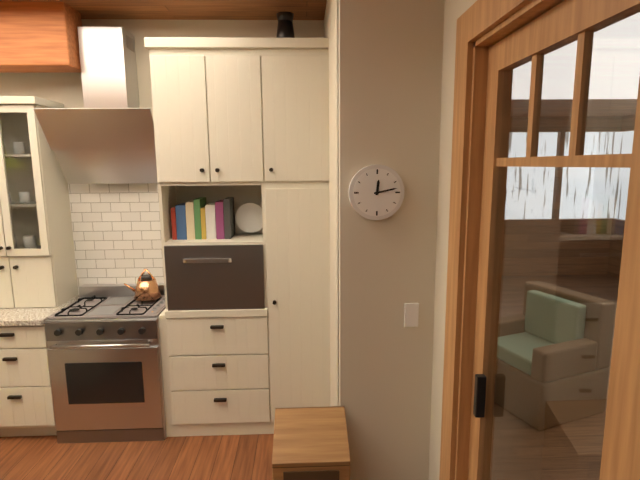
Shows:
{"hour": 12, "minute": 13}
